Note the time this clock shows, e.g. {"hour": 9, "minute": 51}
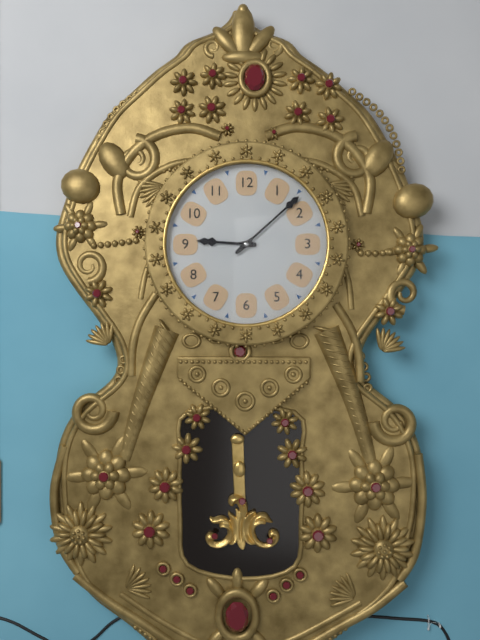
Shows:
{"hour": 9, "minute": 8}
